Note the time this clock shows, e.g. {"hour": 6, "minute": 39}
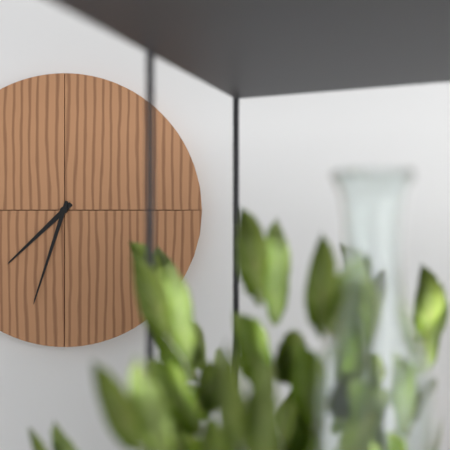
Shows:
{"hour": 7, "minute": 33}
